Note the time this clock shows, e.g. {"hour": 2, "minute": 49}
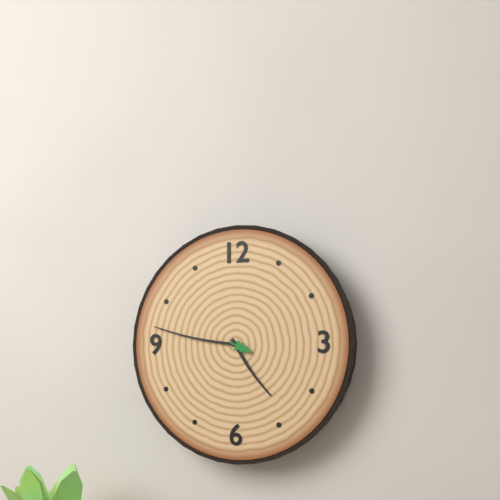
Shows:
{"hour": 4, "minute": 47}
